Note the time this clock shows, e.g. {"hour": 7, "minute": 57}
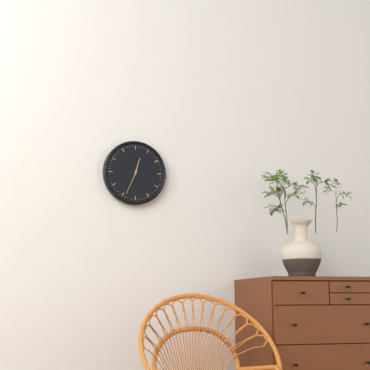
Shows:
{"hour": 12, "minute": 34}
